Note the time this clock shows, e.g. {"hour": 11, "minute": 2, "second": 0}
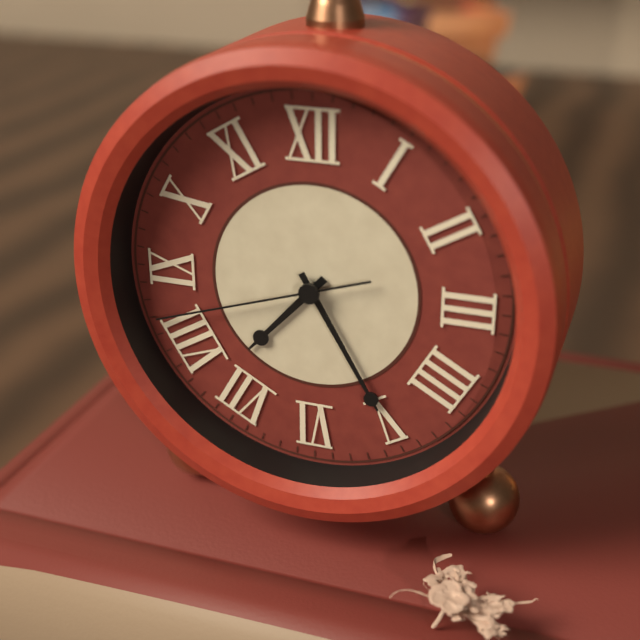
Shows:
{"hour": 7, "minute": 25, "second": 42}
